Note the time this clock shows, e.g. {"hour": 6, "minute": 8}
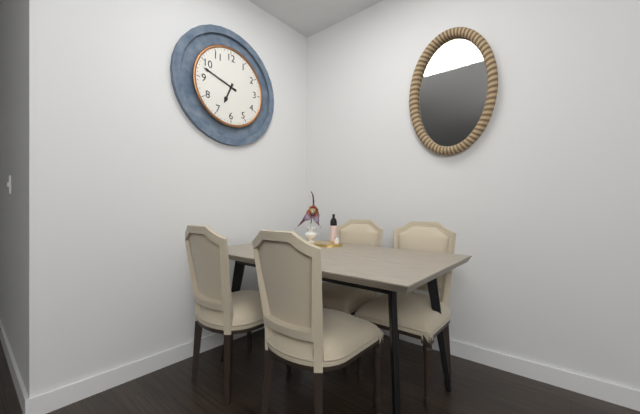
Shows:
{"hour": 6, "minute": 48}
